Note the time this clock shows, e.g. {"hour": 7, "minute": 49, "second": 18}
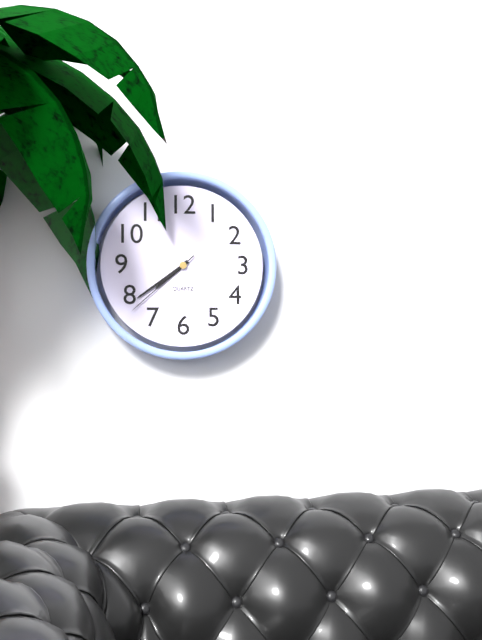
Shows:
{"hour": 7, "minute": 39, "second": 38}
